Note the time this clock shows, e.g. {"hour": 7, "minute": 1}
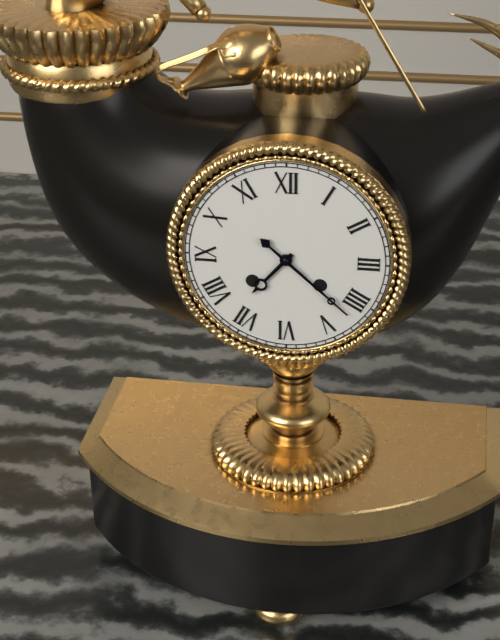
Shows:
{"hour": 7, "minute": 22}
